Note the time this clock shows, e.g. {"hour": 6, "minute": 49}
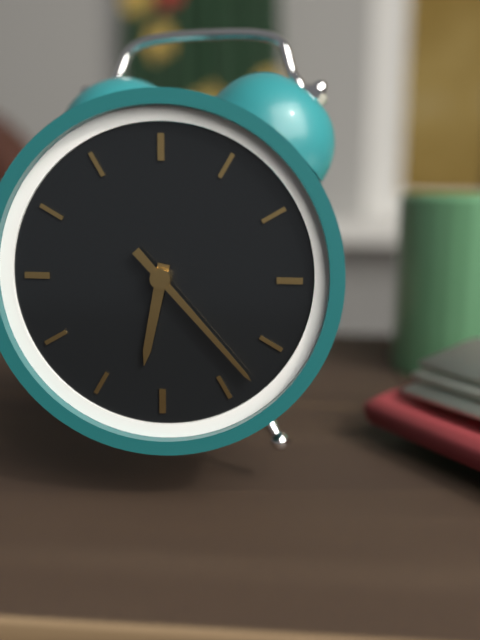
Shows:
{"hour": 6, "minute": 23}
